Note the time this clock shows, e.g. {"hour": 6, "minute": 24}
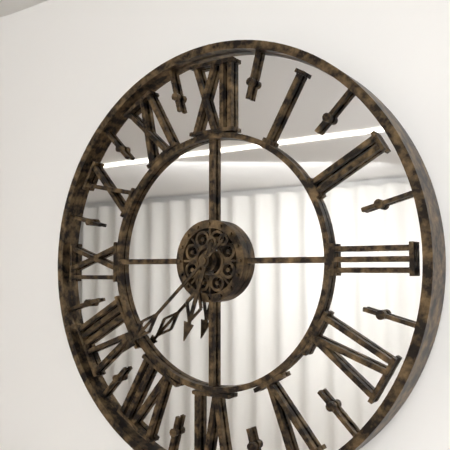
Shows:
{"hour": 6, "minute": 38}
